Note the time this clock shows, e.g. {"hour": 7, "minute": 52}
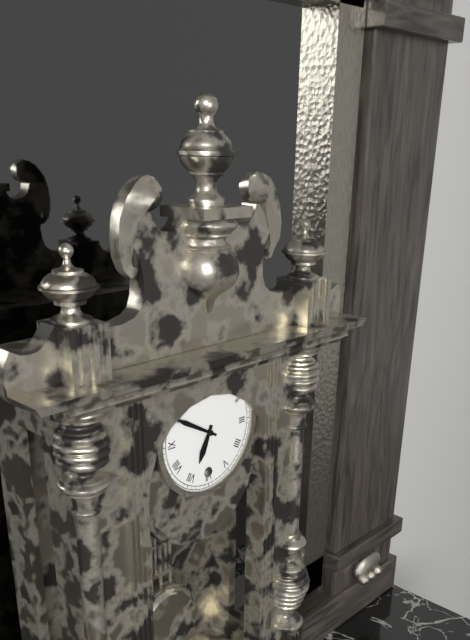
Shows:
{"hour": 6, "minute": 50}
